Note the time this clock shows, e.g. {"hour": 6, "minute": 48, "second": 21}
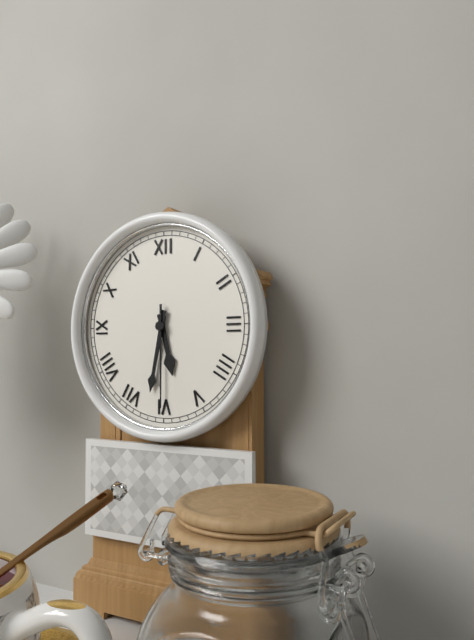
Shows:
{"hour": 5, "minute": 32, "second": 30}
